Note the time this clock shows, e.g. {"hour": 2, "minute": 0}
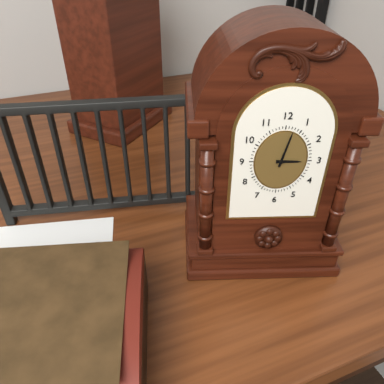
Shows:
{"hour": 3, "minute": 2}
